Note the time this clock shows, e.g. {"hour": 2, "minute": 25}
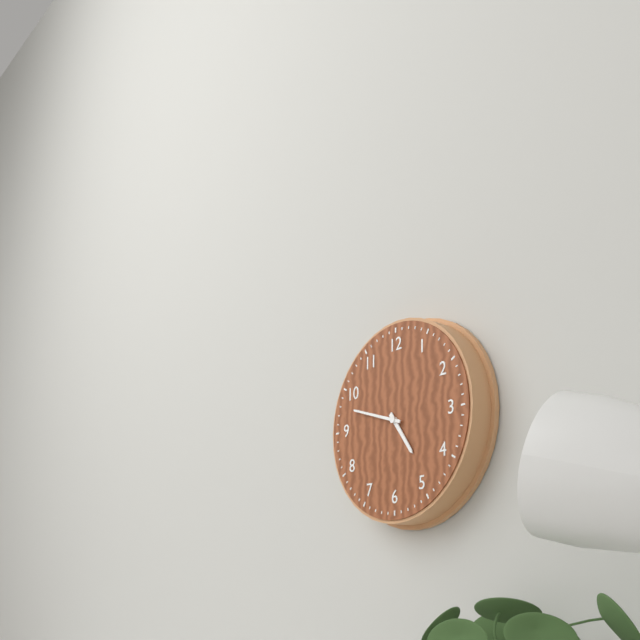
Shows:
{"hour": 4, "minute": 48}
